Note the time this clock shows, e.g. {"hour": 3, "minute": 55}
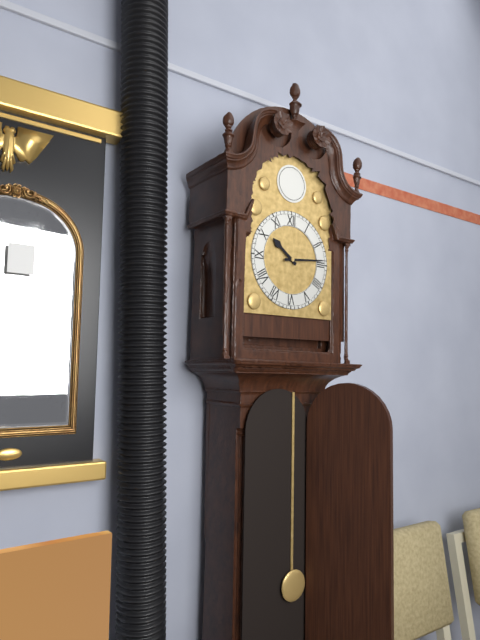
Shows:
{"hour": 10, "minute": 14}
